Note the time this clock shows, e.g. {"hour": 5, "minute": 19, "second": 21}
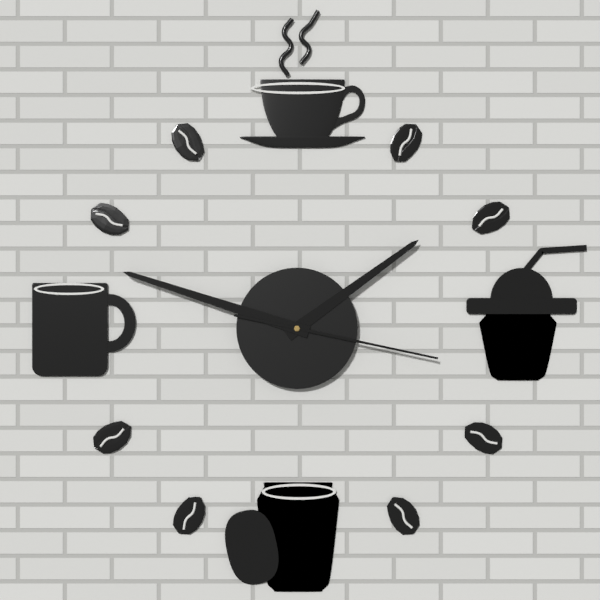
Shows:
{"hour": 1, "minute": 48, "second": 17}
